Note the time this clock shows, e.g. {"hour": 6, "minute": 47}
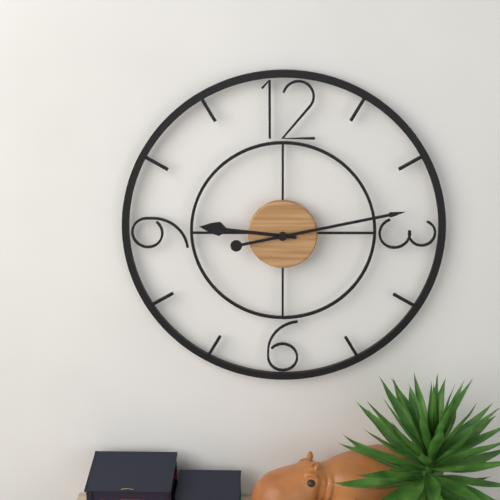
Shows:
{"hour": 9, "minute": 13}
